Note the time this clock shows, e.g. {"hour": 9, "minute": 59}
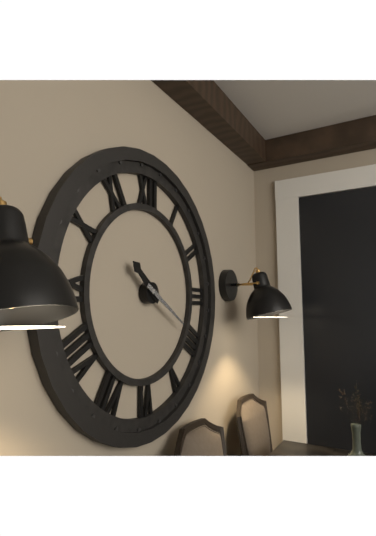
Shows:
{"hour": 10, "minute": 20}
